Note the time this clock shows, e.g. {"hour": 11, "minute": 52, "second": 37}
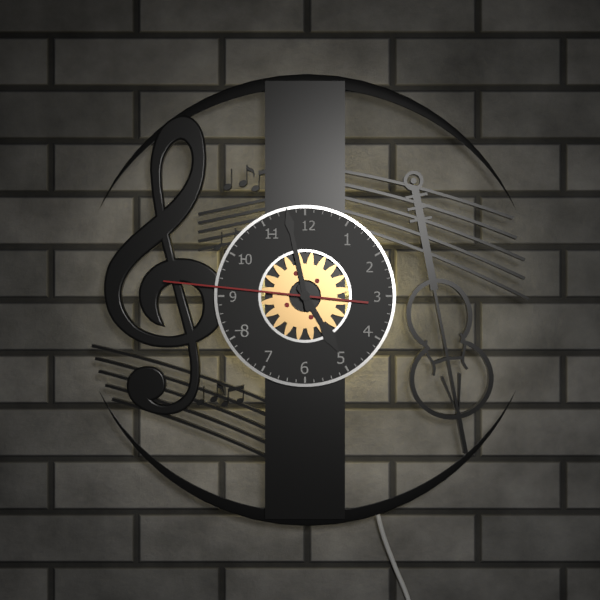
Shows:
{"hour": 4, "minute": 58, "second": 46}
